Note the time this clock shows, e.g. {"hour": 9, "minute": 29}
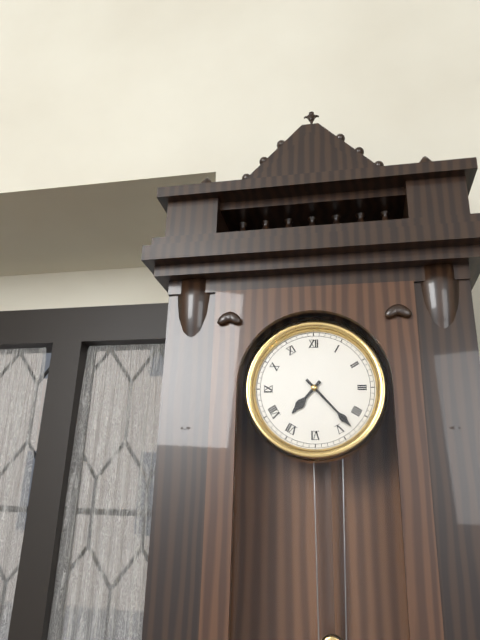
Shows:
{"hour": 7, "minute": 23}
